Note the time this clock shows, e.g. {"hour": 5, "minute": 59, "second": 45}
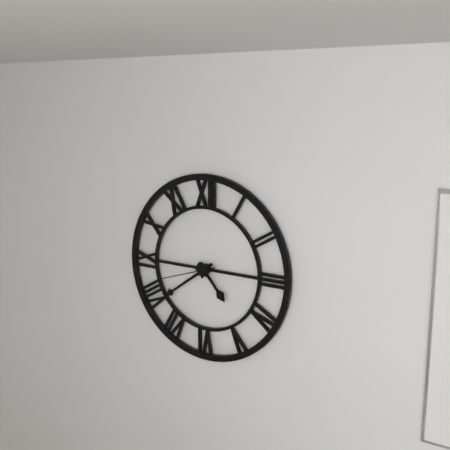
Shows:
{"hour": 4, "minute": 39, "second": 42}
